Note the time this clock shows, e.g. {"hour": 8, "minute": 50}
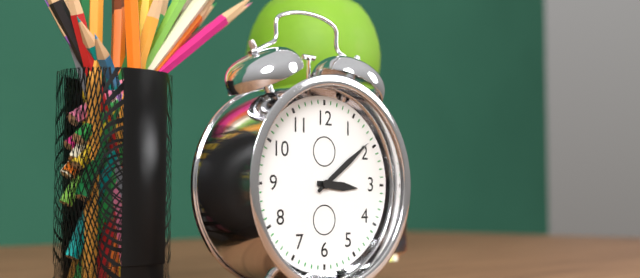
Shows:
{"hour": 3, "minute": 9}
